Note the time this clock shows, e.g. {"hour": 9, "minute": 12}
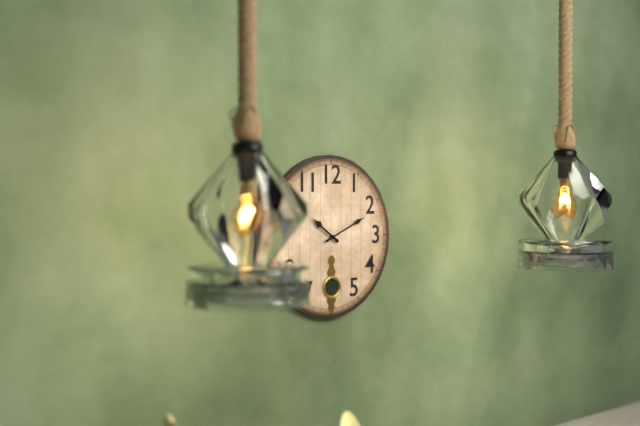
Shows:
{"hour": 10, "minute": 11}
